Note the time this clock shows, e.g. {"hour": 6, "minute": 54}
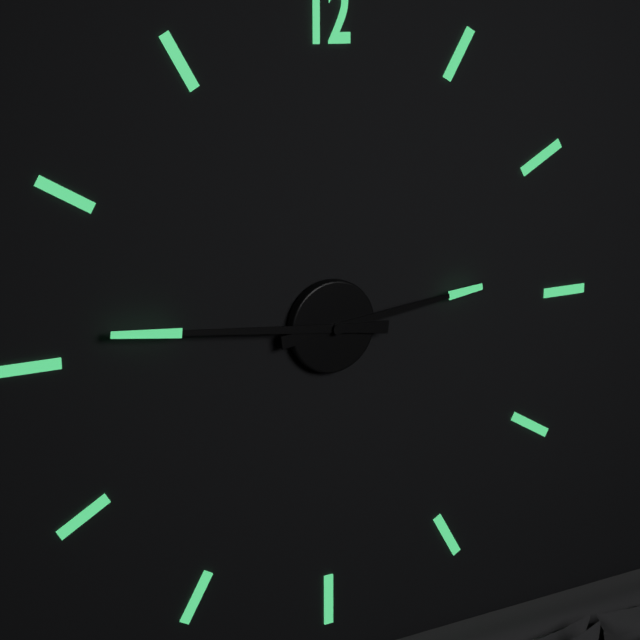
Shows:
{"hour": 2, "minute": 46}
